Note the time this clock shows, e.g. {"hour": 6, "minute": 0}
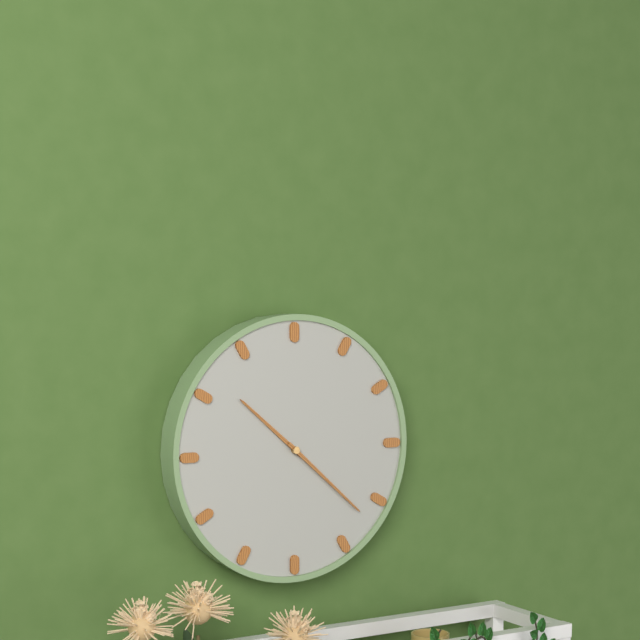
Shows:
{"hour": 10, "minute": 22}
